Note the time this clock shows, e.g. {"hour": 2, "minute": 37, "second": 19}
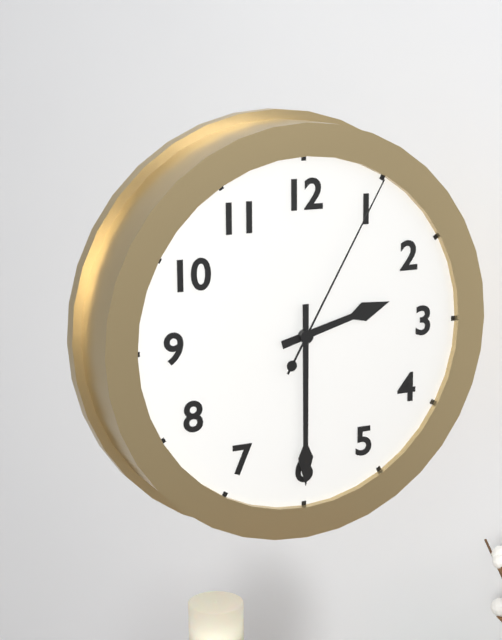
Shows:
{"hour": 2, "minute": 30, "second": 5}
